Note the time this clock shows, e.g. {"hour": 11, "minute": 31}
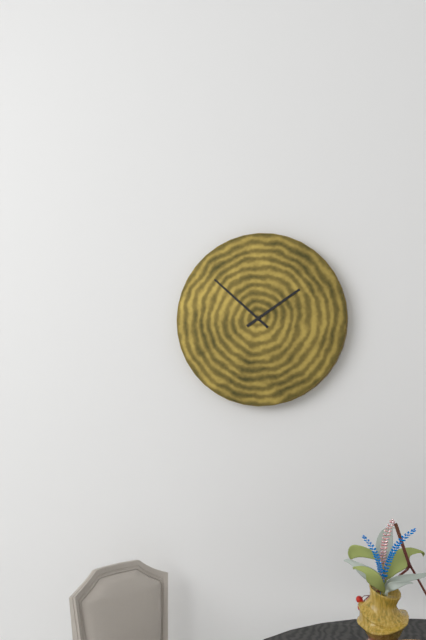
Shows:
{"hour": 1, "minute": 52}
